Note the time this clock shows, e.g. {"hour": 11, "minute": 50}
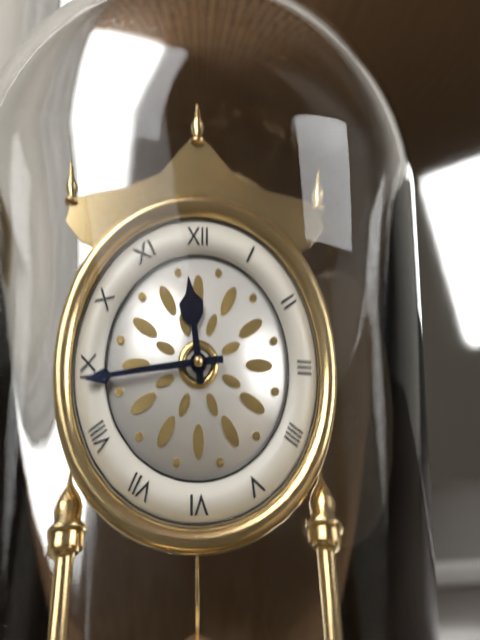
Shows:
{"hour": 11, "minute": 44}
